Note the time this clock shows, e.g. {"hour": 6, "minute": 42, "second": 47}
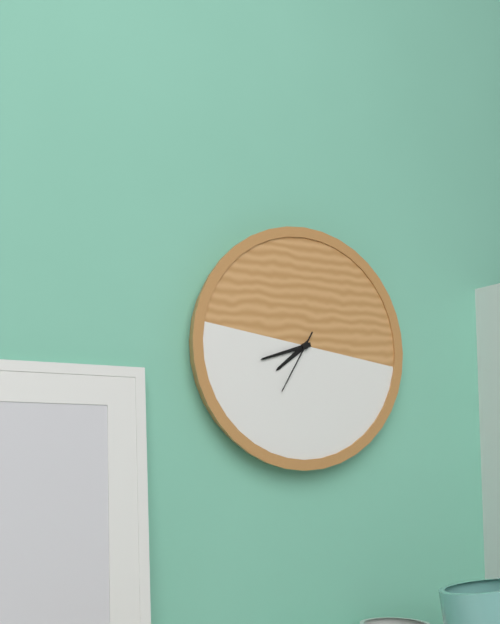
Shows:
{"hour": 7, "minute": 42, "second": 35}
